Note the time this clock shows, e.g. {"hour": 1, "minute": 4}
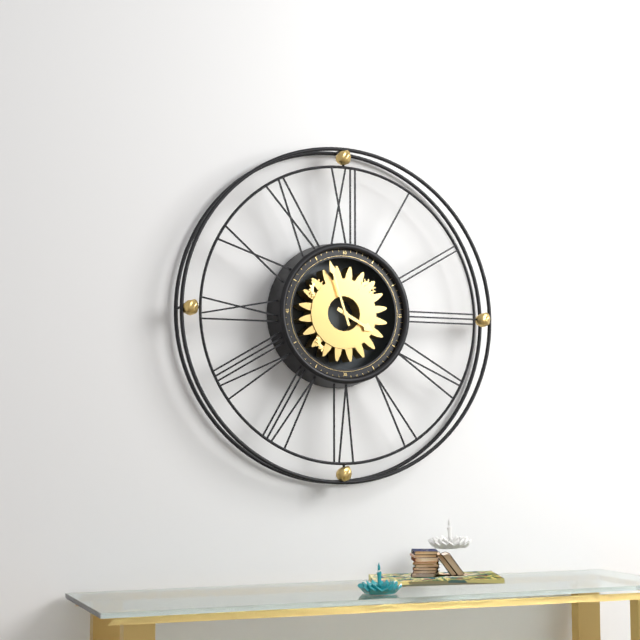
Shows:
{"hour": 3, "minute": 57}
